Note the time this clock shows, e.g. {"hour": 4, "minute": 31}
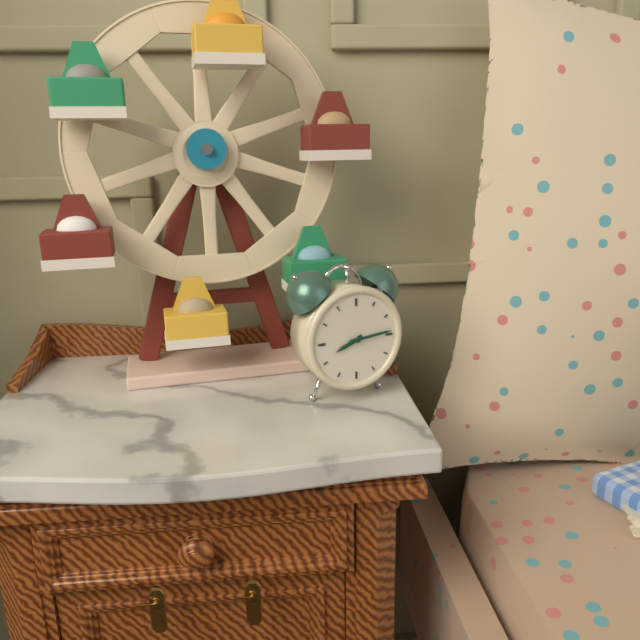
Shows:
{"hour": 8, "minute": 14}
